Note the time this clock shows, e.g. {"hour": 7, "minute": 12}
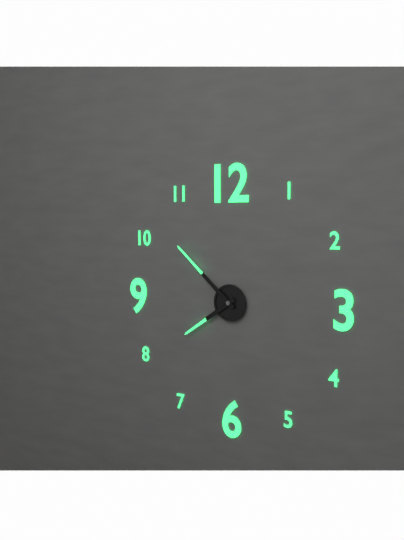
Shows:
{"hour": 7, "minute": 52}
